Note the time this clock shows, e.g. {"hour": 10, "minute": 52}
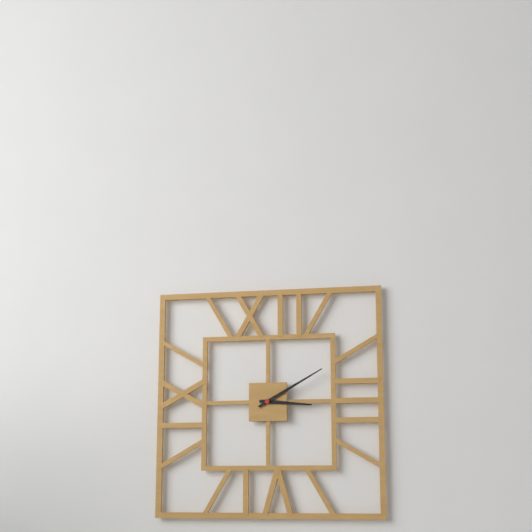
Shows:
{"hour": 3, "minute": 10}
